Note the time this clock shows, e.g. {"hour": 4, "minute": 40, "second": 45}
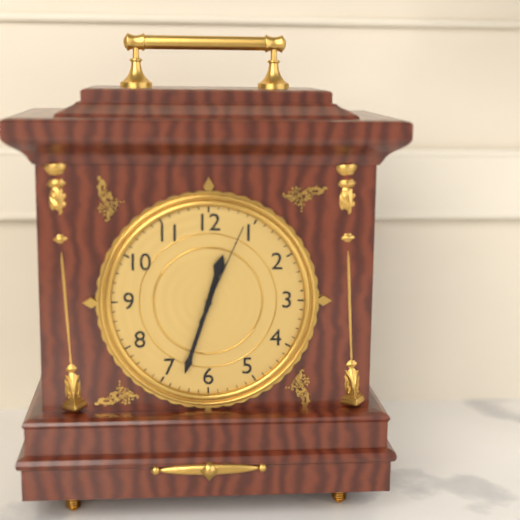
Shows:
{"hour": 12, "minute": 33, "second": 4}
